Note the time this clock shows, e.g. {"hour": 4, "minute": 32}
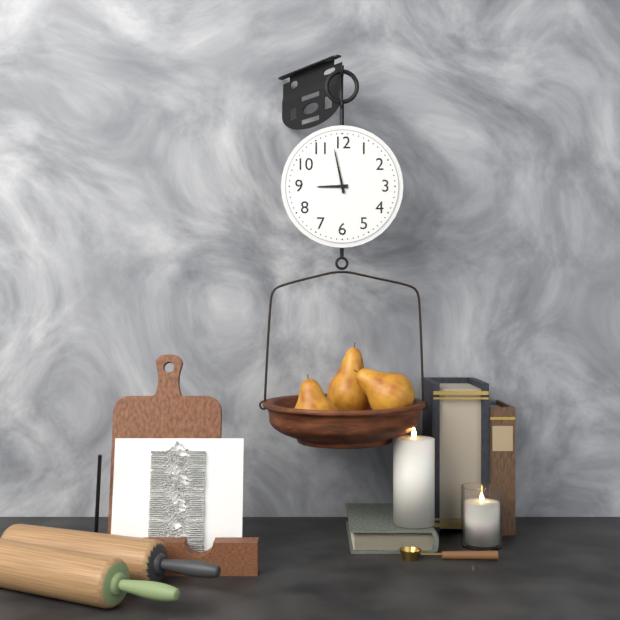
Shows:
{"hour": 8, "minute": 58}
